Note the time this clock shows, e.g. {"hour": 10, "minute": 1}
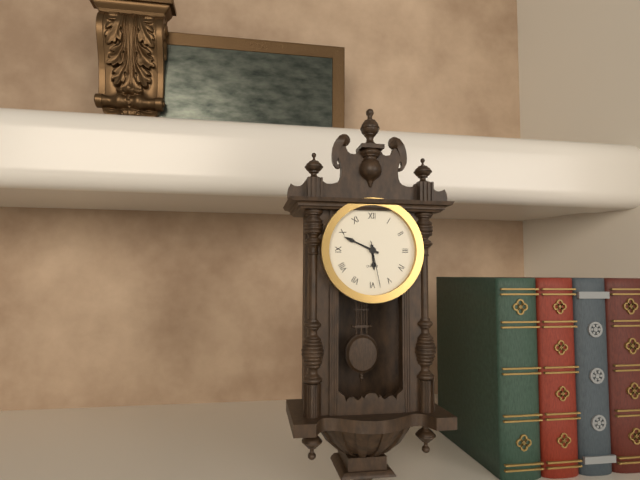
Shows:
{"hour": 5, "minute": 49}
